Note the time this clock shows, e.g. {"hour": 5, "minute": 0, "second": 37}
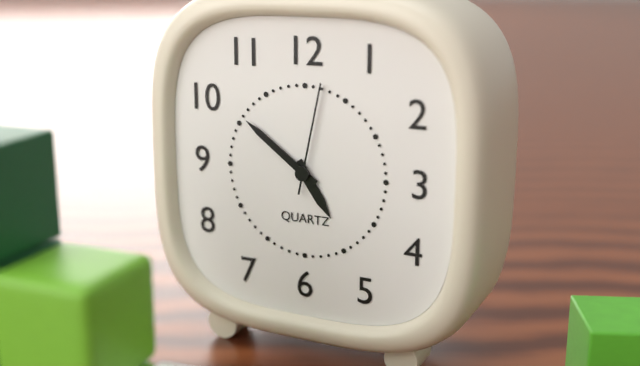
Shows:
{"hour": 4, "minute": 51, "second": 2}
